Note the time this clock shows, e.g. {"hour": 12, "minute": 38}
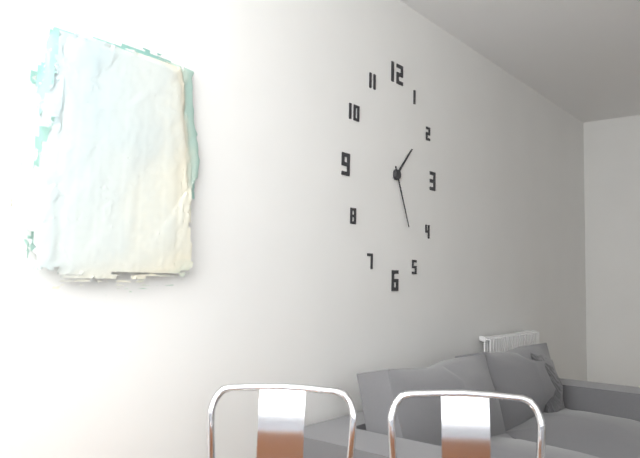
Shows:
{"hour": 1, "minute": 26}
